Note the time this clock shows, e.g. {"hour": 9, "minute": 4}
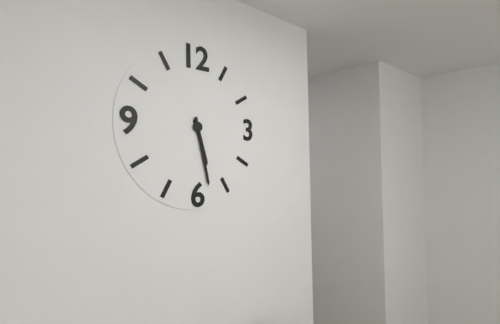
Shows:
{"hour": 5, "minute": 28}
